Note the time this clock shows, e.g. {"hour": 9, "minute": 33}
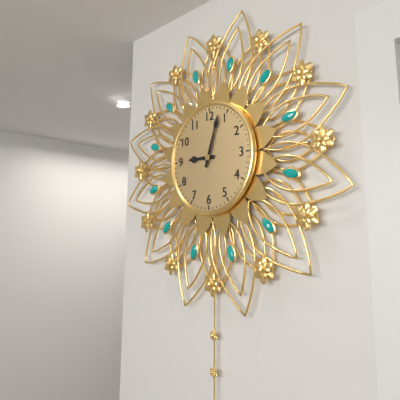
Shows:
{"hour": 9, "minute": 3}
